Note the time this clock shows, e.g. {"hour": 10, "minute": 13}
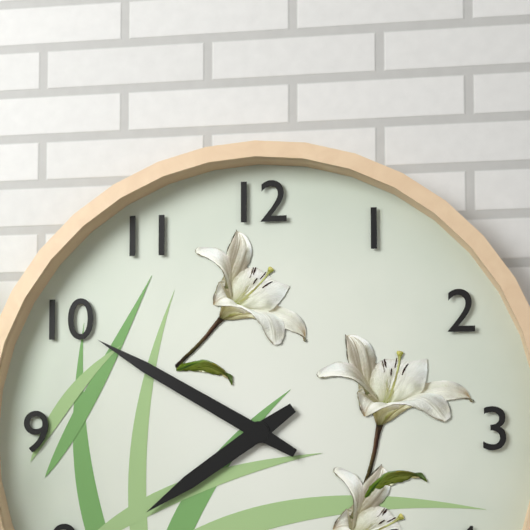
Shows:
{"hour": 7, "minute": 50}
